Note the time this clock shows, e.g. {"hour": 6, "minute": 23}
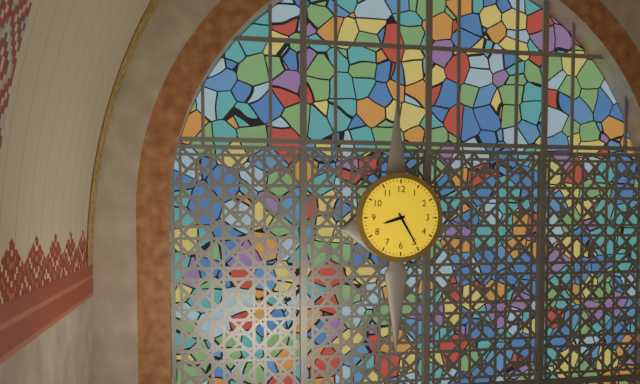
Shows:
{"hour": 8, "minute": 25}
